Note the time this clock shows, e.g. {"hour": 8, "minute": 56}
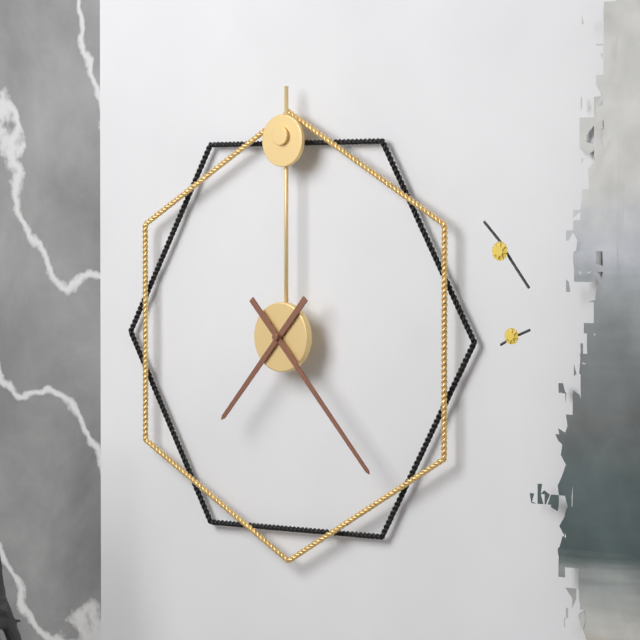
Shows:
{"hour": 7, "minute": 23}
